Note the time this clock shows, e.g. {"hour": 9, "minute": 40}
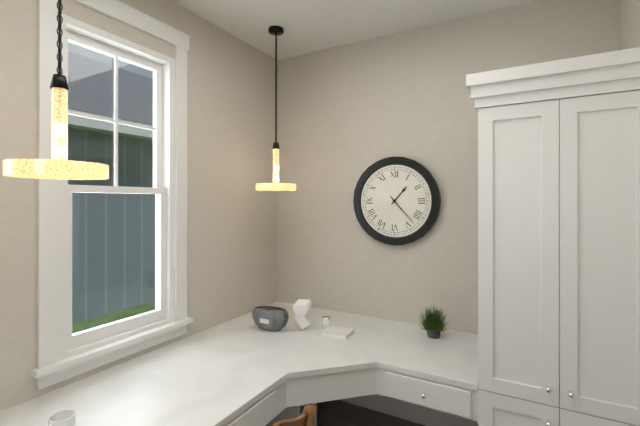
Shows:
{"hour": 1, "minute": 23}
